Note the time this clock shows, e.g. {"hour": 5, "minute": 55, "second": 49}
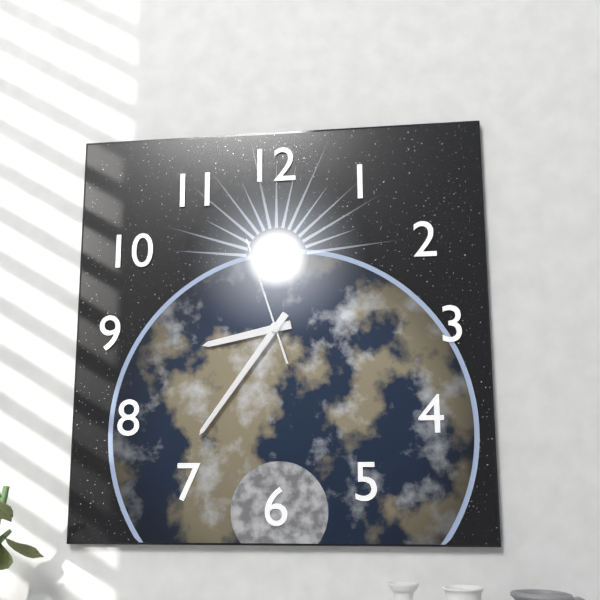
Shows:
{"hour": 8, "minute": 36, "second": 57}
